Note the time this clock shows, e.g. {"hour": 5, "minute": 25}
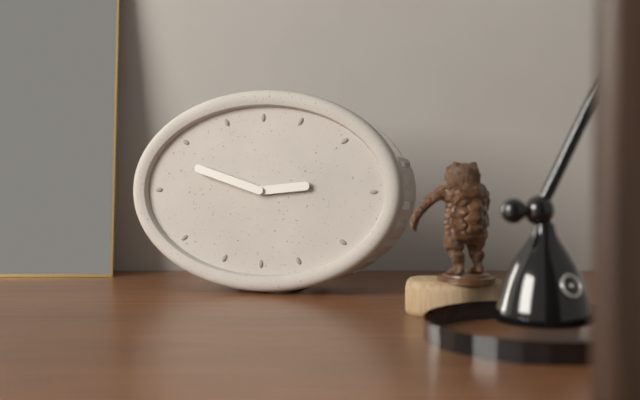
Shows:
{"hour": 2, "minute": 48}
